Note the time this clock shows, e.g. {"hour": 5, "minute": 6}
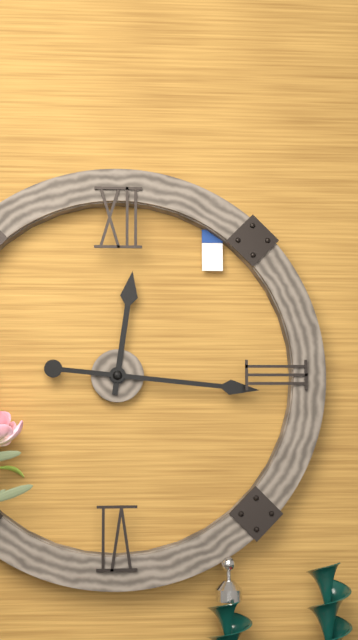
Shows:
{"hour": 12, "minute": 16}
